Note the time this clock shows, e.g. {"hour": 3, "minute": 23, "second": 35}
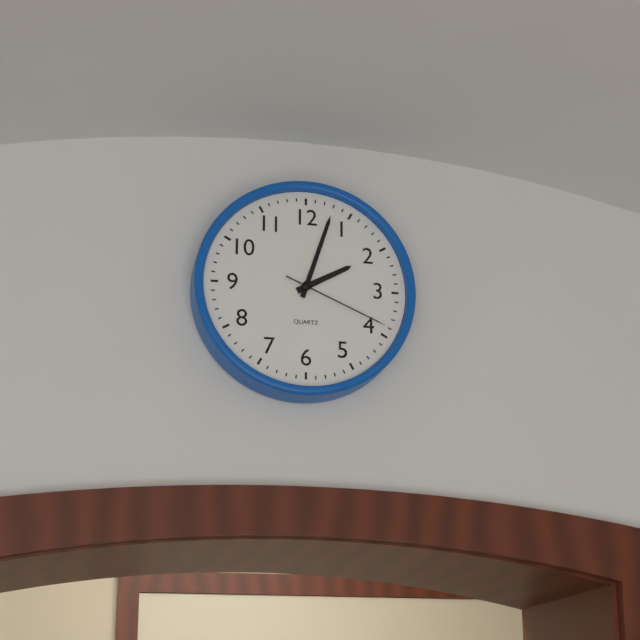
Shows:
{"hour": 2, "minute": 3, "second": 19}
